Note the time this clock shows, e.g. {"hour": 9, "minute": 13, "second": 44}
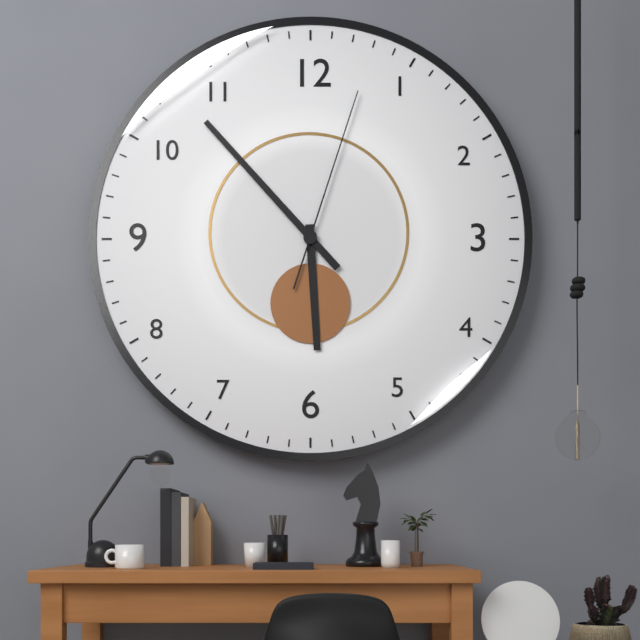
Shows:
{"hour": 5, "minute": 53, "second": 3}
